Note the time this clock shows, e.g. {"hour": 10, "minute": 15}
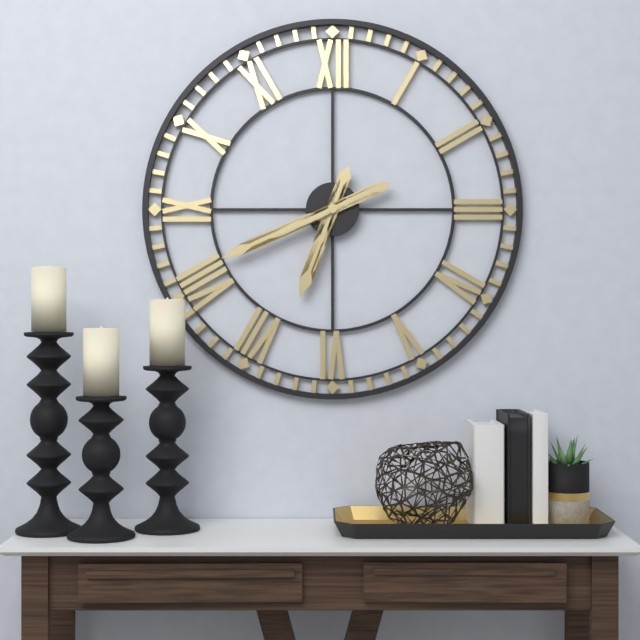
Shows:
{"hour": 6, "minute": 41}
